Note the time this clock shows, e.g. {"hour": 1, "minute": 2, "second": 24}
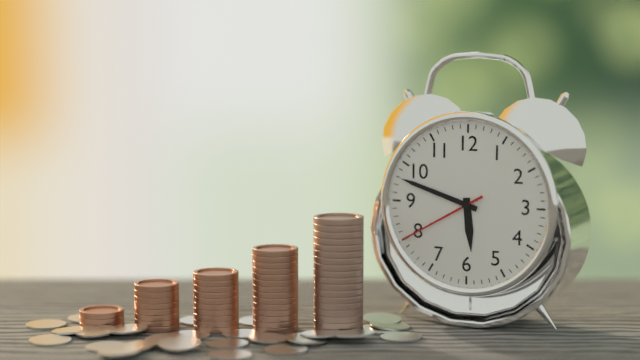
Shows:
{"hour": 5, "minute": 48, "second": 40}
